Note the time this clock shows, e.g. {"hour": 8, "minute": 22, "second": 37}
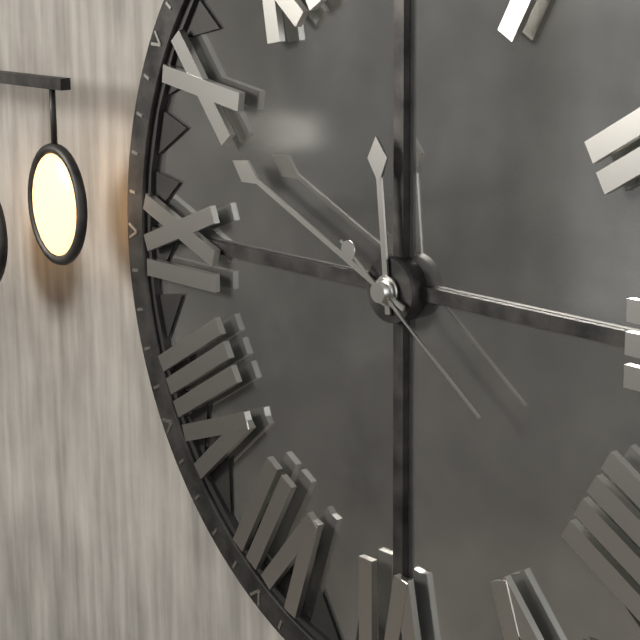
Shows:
{"hour": 11, "minute": 49, "second": 21}
